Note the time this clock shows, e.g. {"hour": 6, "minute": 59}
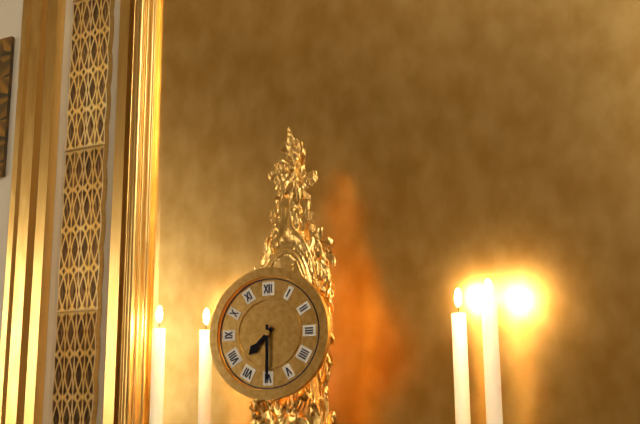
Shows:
{"hour": 7, "minute": 30}
